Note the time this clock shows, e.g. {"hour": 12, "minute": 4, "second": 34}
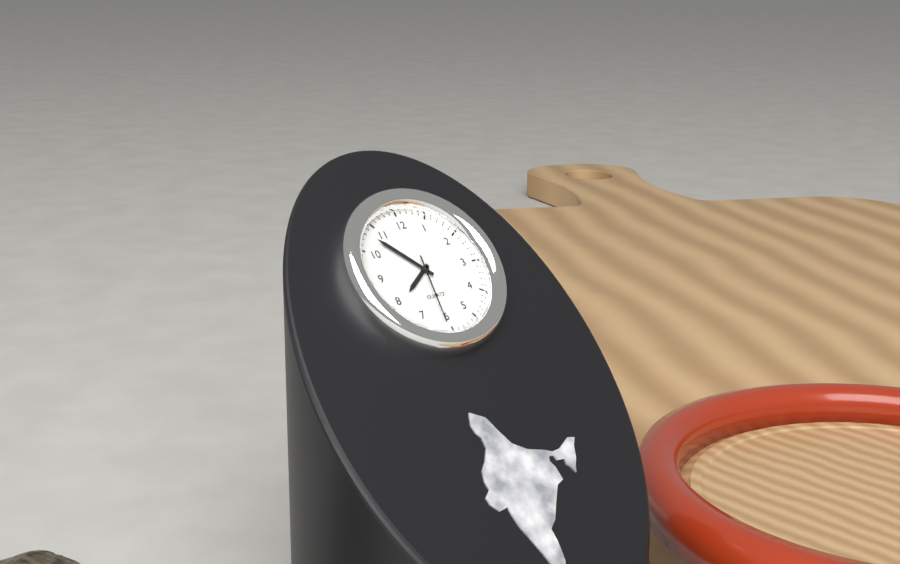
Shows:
{"hour": 7, "minute": 53, "second": 31}
